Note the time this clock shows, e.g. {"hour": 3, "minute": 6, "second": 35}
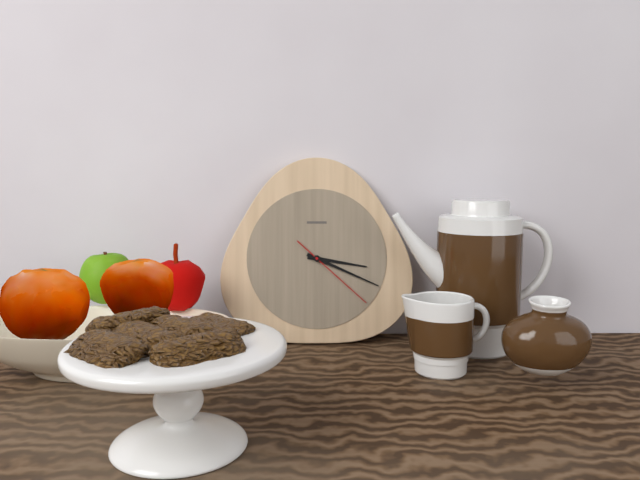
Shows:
{"hour": 3, "minute": 19, "second": 22}
